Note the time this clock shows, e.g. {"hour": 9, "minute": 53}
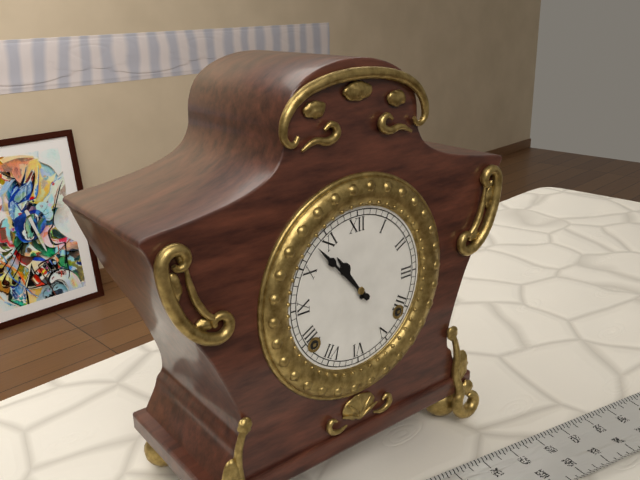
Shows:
{"hour": 10, "minute": 53}
